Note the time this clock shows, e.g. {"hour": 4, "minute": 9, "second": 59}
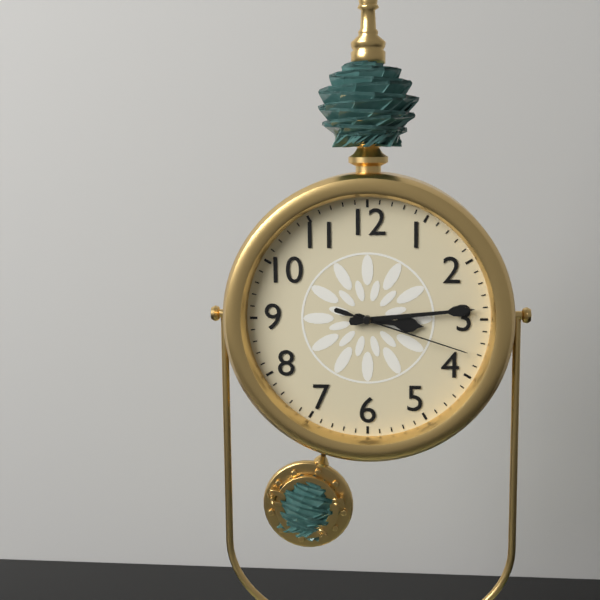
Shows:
{"hour": 3, "minute": 14, "second": 18}
